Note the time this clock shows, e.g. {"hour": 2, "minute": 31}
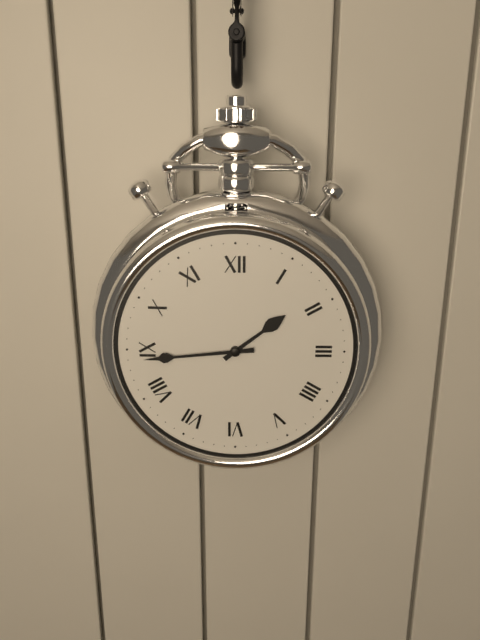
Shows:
{"hour": 1, "minute": 44}
